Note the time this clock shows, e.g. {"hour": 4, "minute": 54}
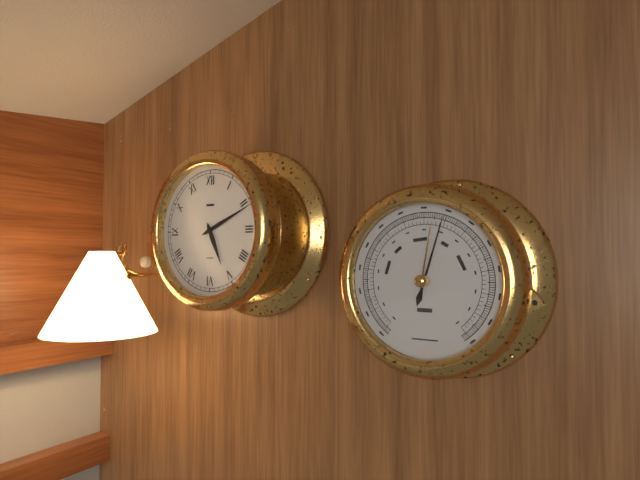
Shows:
{"hour": 5, "minute": 11}
